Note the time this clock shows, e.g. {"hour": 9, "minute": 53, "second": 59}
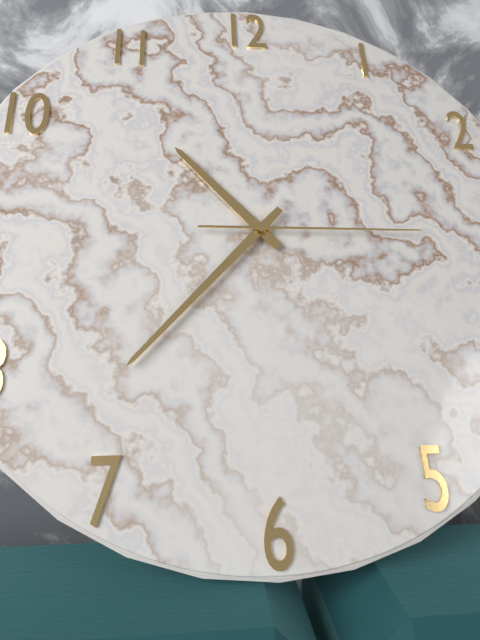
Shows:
{"hour": 10, "minute": 37, "second": 15}
